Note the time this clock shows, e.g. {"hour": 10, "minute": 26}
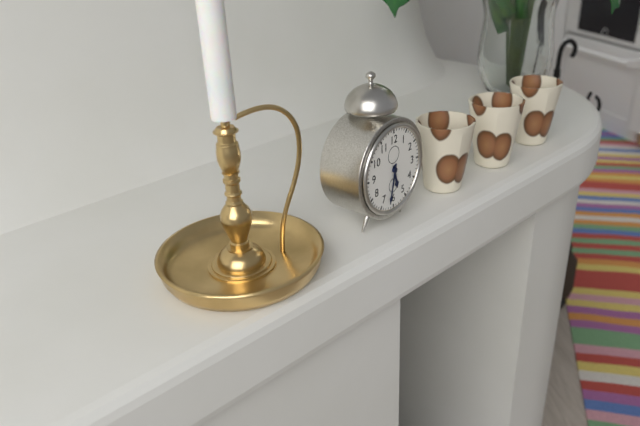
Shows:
{"hour": 5, "minute": 32}
